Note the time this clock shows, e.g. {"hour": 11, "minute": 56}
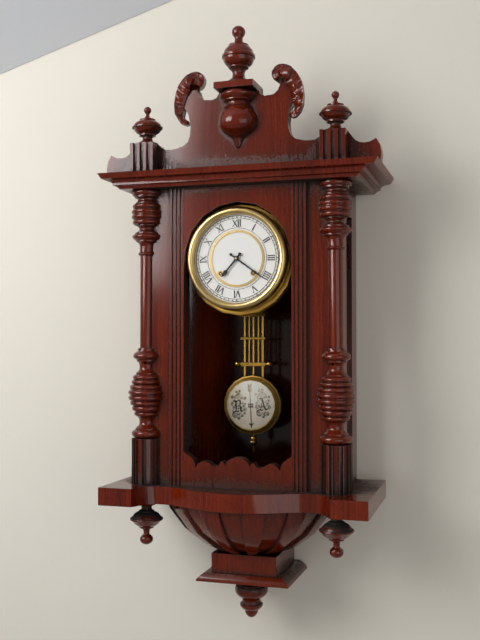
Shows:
{"hour": 7, "minute": 21}
